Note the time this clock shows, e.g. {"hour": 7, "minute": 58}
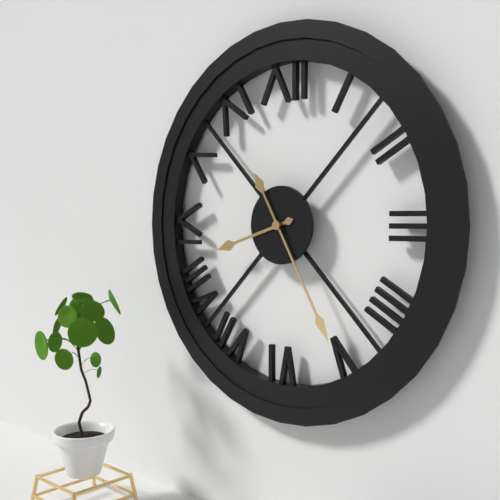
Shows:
{"hour": 8, "minute": 25}
